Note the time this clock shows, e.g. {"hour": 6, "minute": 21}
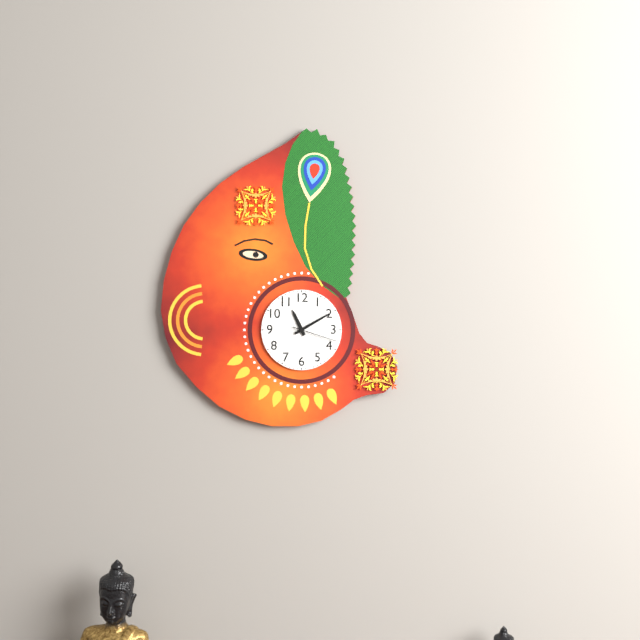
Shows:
{"hour": 11, "minute": 10}
